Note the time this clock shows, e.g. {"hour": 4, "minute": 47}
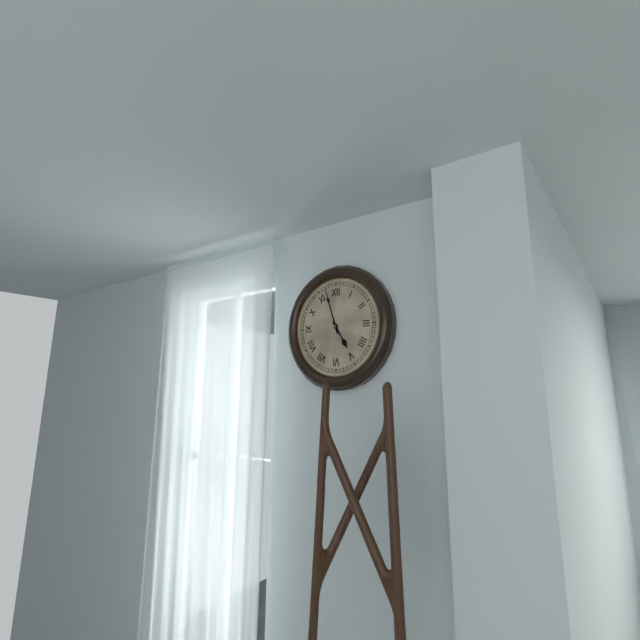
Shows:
{"hour": 4, "minute": 57}
